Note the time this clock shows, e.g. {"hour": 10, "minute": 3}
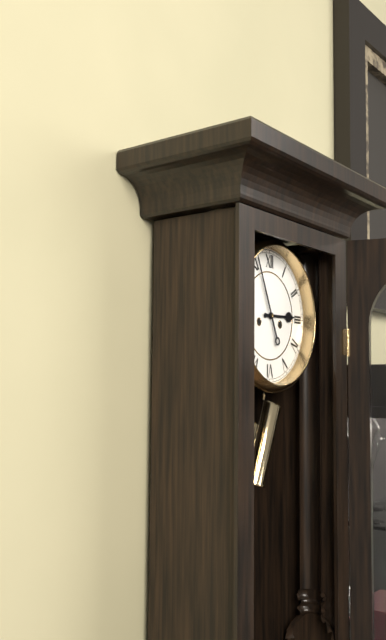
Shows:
{"hour": 2, "minute": 56}
